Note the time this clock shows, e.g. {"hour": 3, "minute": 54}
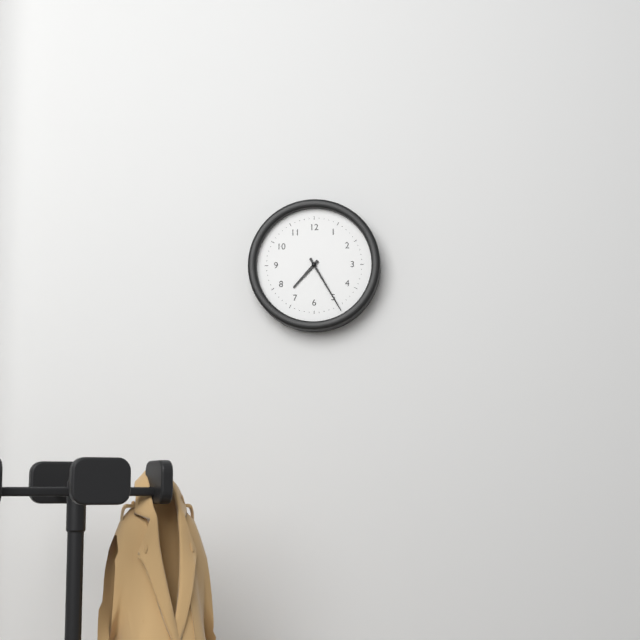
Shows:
{"hour": 7, "minute": 25}
